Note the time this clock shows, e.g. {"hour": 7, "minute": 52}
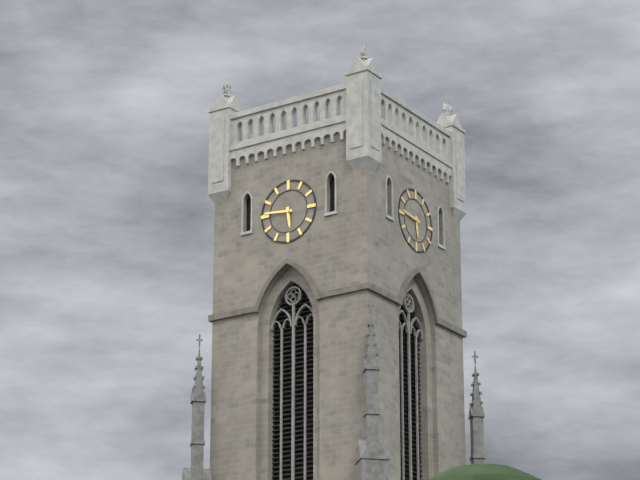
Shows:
{"hour": 5, "minute": 46}
